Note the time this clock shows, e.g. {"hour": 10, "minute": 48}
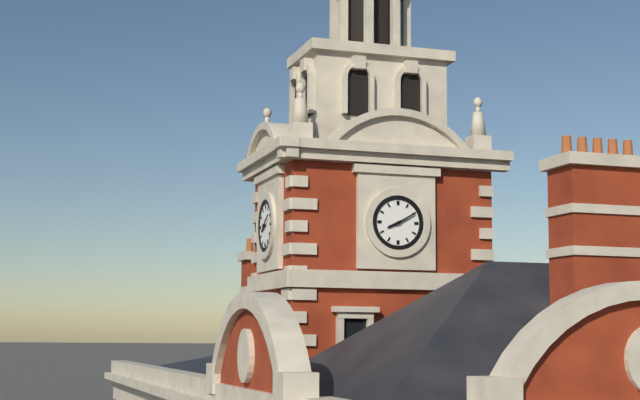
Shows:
{"hour": 8, "minute": 10}
